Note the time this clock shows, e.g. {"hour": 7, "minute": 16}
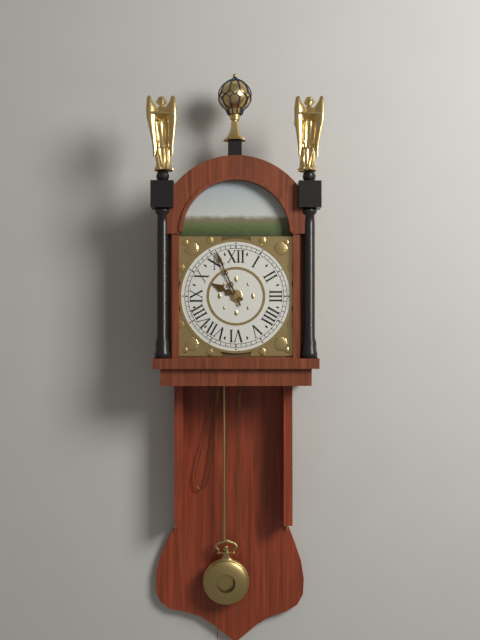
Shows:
{"hour": 9, "minute": 56}
